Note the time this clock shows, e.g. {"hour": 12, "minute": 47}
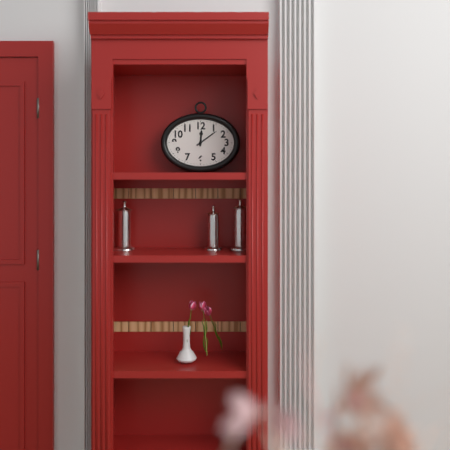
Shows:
{"hour": 12, "minute": 9}
